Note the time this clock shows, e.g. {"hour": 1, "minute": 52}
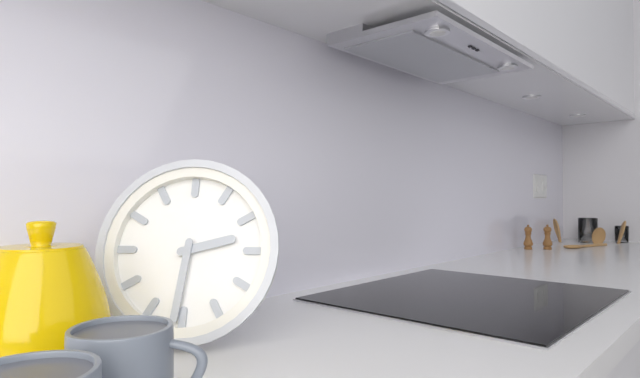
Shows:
{"hour": 2, "minute": 31}
